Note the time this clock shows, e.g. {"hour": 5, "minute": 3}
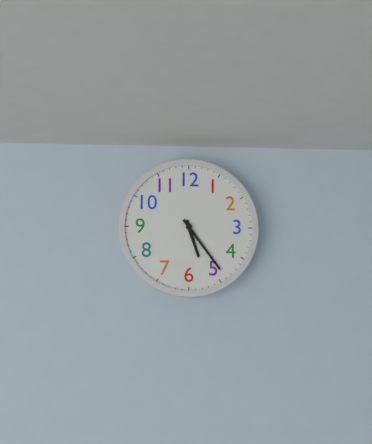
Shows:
{"hour": 5, "minute": 24}
